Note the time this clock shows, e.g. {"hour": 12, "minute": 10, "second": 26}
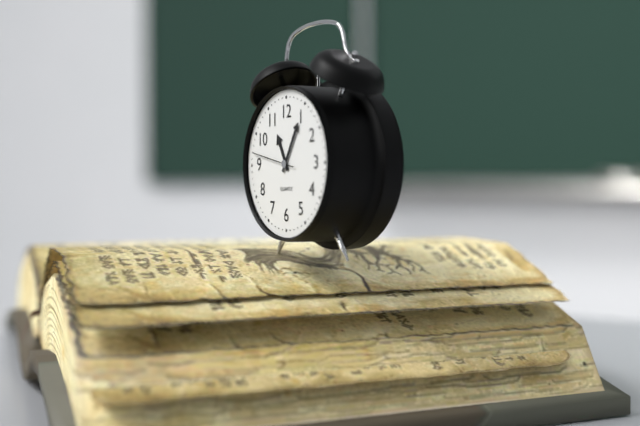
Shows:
{"hour": 11, "minute": 5, "second": 47}
